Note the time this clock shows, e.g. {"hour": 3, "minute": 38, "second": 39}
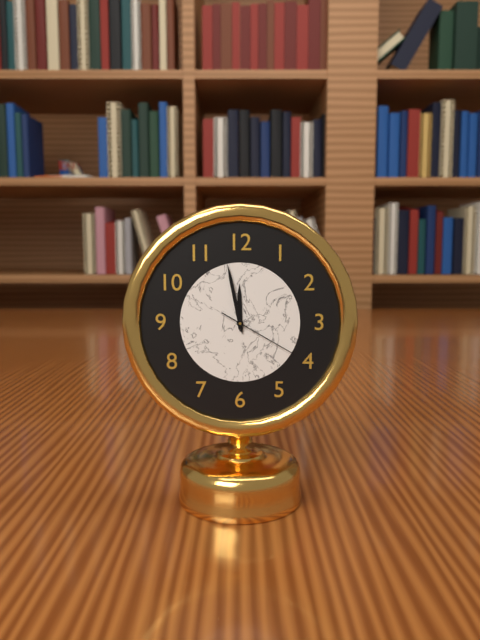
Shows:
{"hour": 11, "minute": 58, "second": 20}
